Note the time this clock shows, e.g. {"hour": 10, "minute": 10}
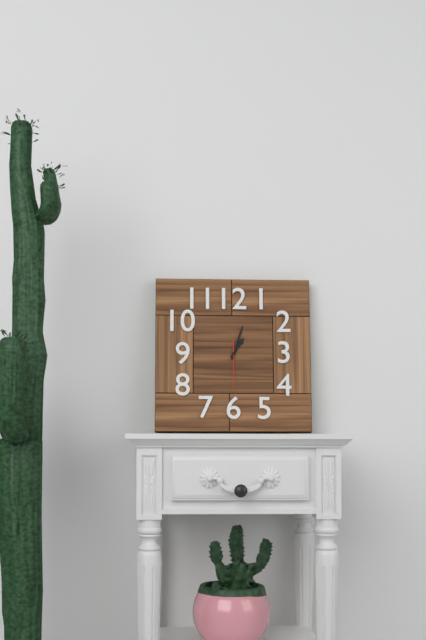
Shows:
{"hour": 1, "minute": 3}
